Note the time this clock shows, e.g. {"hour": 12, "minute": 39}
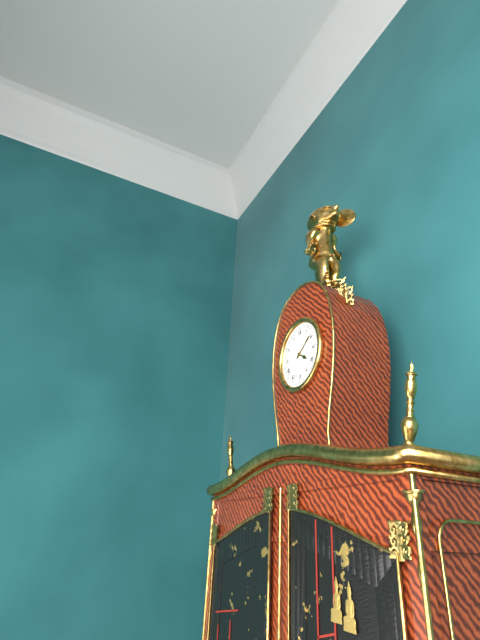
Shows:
{"hour": 4, "minute": 9}
